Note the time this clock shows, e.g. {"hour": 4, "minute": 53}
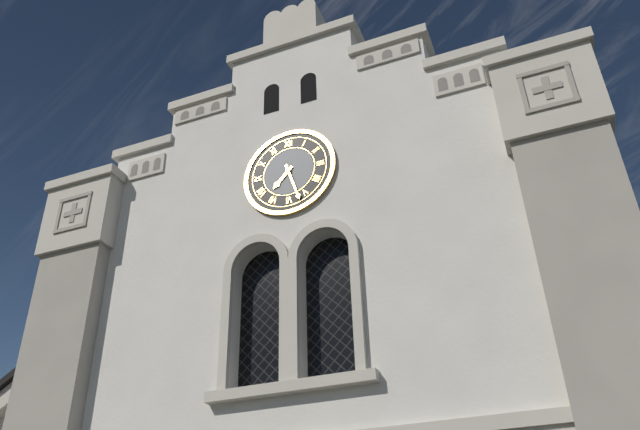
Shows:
{"hour": 7, "minute": 27}
